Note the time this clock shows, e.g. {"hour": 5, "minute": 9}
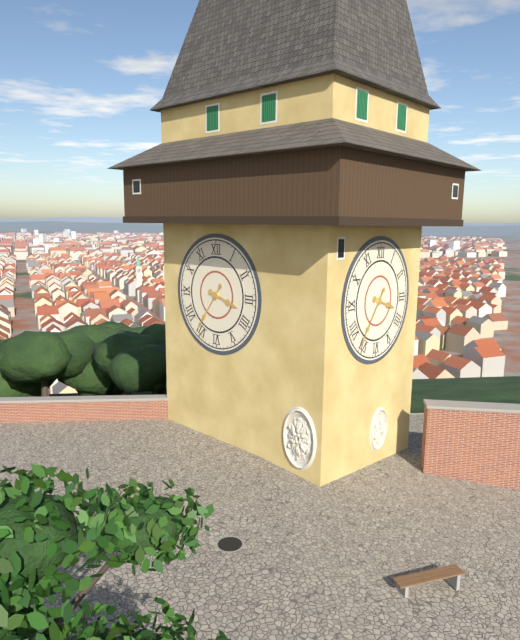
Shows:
{"hour": 3, "minute": 36}
